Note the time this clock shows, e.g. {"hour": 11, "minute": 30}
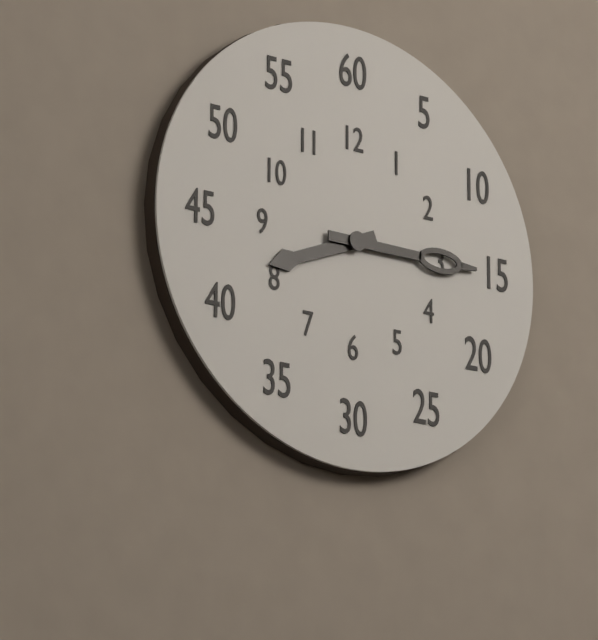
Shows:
{"hour": 8, "minute": 15}
